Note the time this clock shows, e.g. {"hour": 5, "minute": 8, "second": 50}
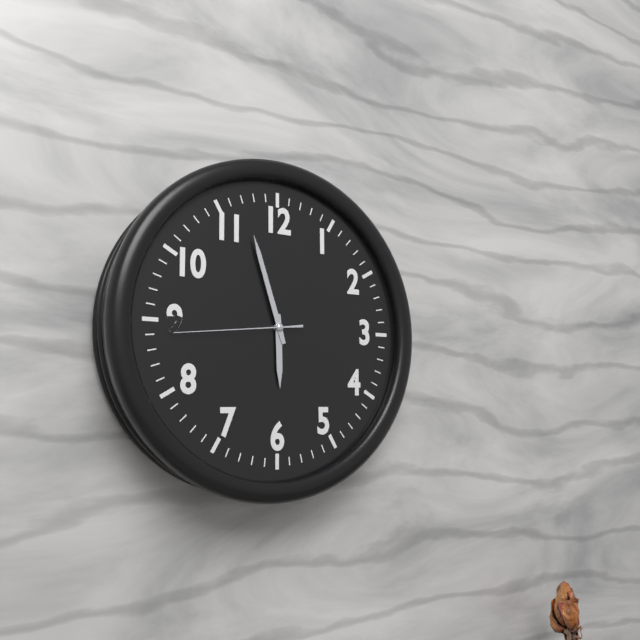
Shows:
{"hour": 5, "minute": 57, "second": 44}
